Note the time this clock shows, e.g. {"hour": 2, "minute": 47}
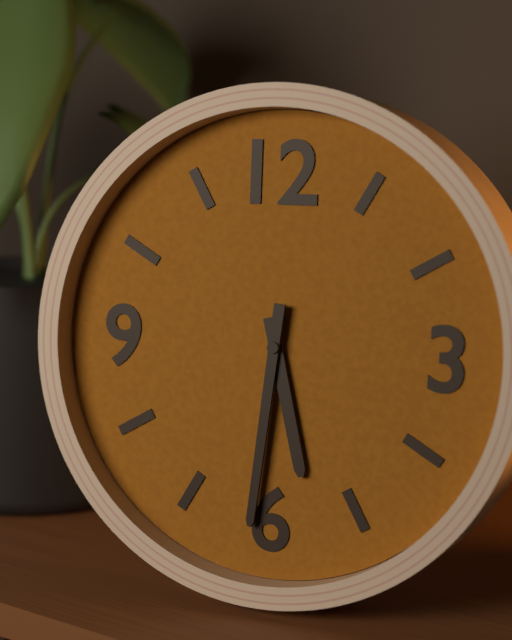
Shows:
{"hour": 5, "minute": 31}
